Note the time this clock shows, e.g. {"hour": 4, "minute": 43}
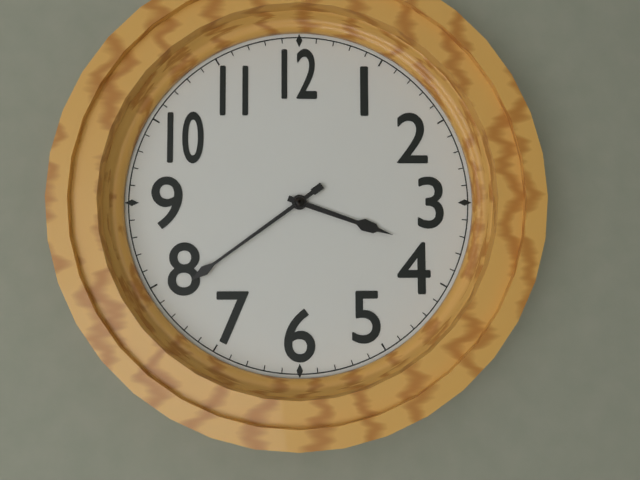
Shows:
{"hour": 3, "minute": 39}
